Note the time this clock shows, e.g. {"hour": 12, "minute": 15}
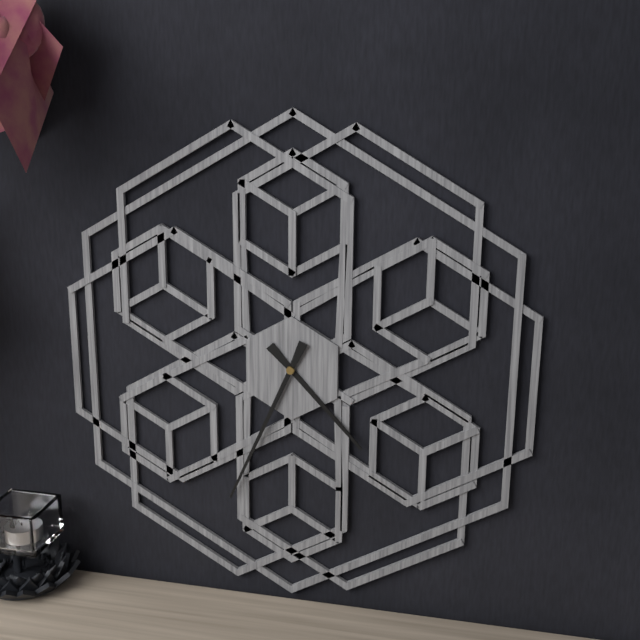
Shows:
{"hour": 4, "minute": 34}
